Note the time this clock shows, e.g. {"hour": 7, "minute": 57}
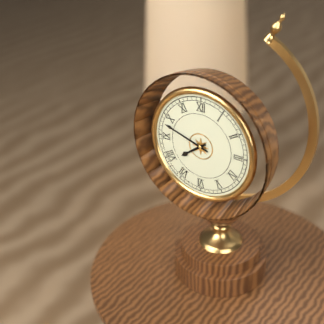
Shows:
{"hour": 7, "minute": 48}
